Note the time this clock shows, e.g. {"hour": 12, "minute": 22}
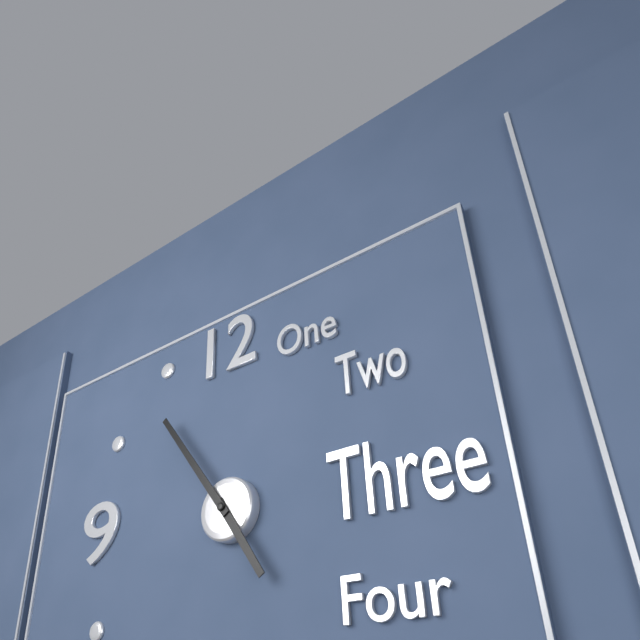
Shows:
{"hour": 4, "minute": 54}
